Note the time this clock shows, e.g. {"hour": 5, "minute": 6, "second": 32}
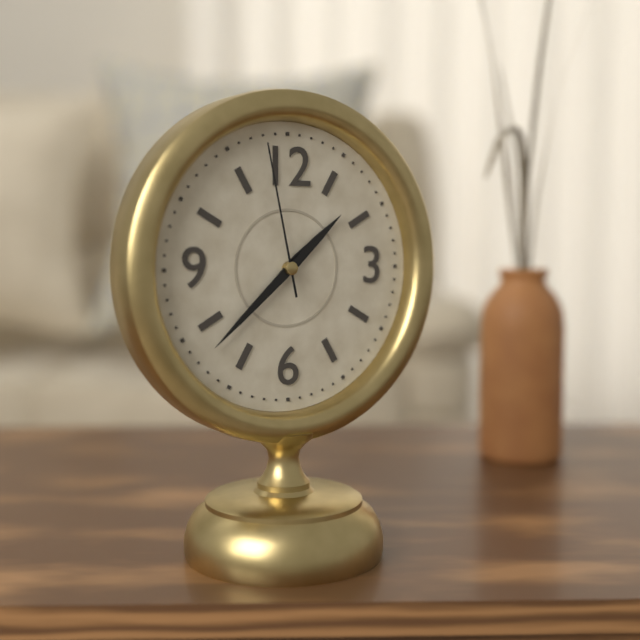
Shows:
{"hour": 1, "minute": 38, "second": 58}
